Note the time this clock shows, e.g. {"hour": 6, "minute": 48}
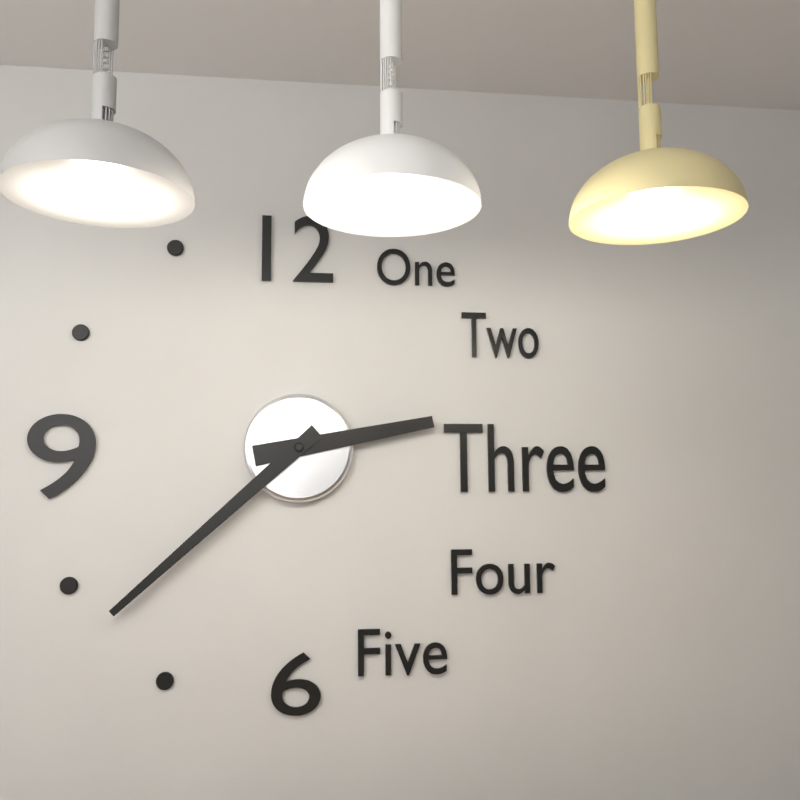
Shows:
{"hour": 2, "minute": 38}
